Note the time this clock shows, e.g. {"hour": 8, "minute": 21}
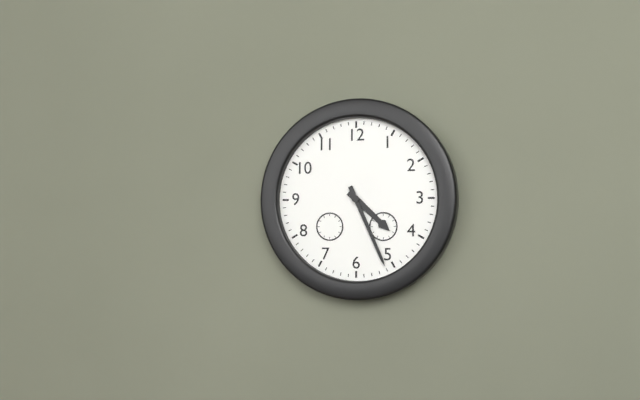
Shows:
{"hour": 4, "minute": 26}
